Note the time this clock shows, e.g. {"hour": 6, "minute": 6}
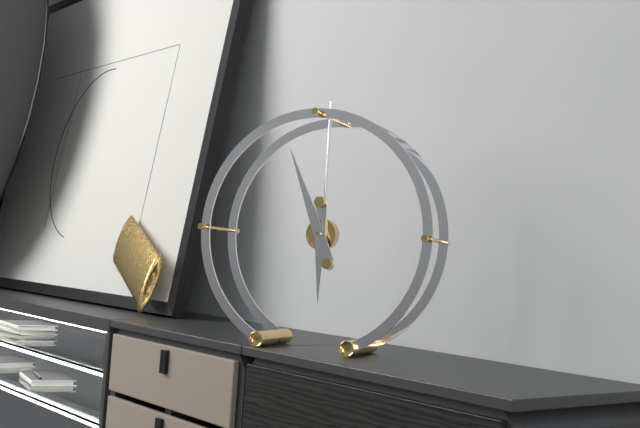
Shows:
{"hour": 5, "minute": 56}
